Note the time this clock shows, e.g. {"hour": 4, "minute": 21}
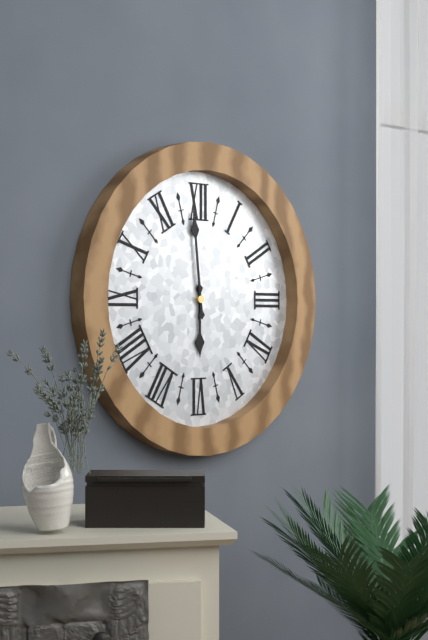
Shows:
{"hour": 5, "minute": 59}
